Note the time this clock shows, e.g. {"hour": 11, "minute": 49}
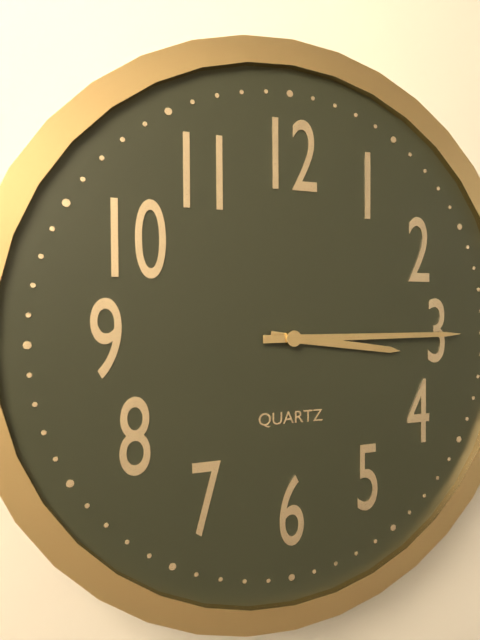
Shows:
{"hour": 3, "minute": 15}
